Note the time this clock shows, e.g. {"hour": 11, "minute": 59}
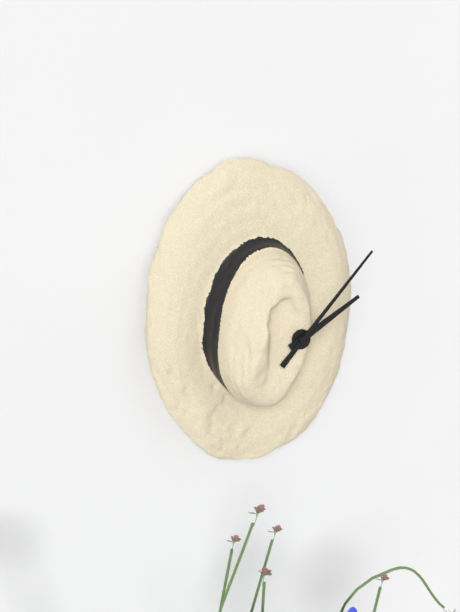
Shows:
{"hour": 2, "minute": 8}
